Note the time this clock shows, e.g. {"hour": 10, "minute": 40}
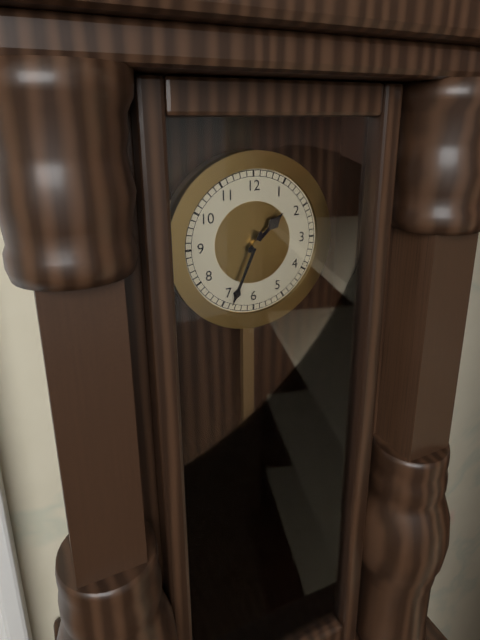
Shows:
{"hour": 1, "minute": 34}
